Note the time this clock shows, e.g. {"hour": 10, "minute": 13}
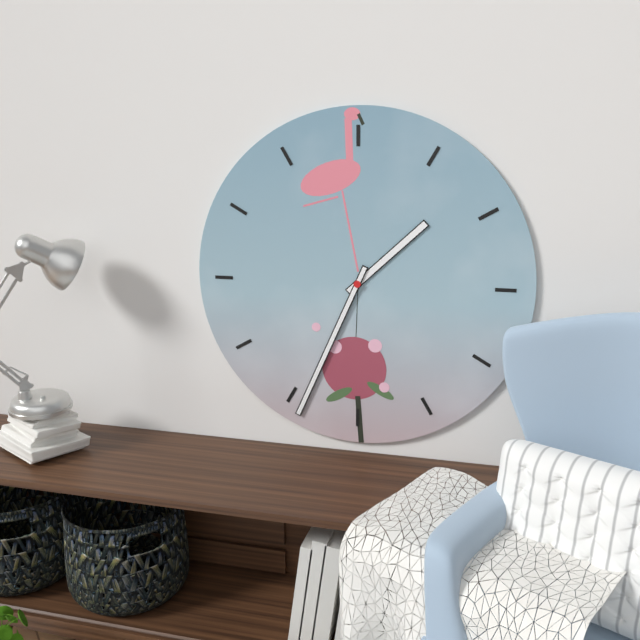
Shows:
{"hour": 1, "minute": 34}
